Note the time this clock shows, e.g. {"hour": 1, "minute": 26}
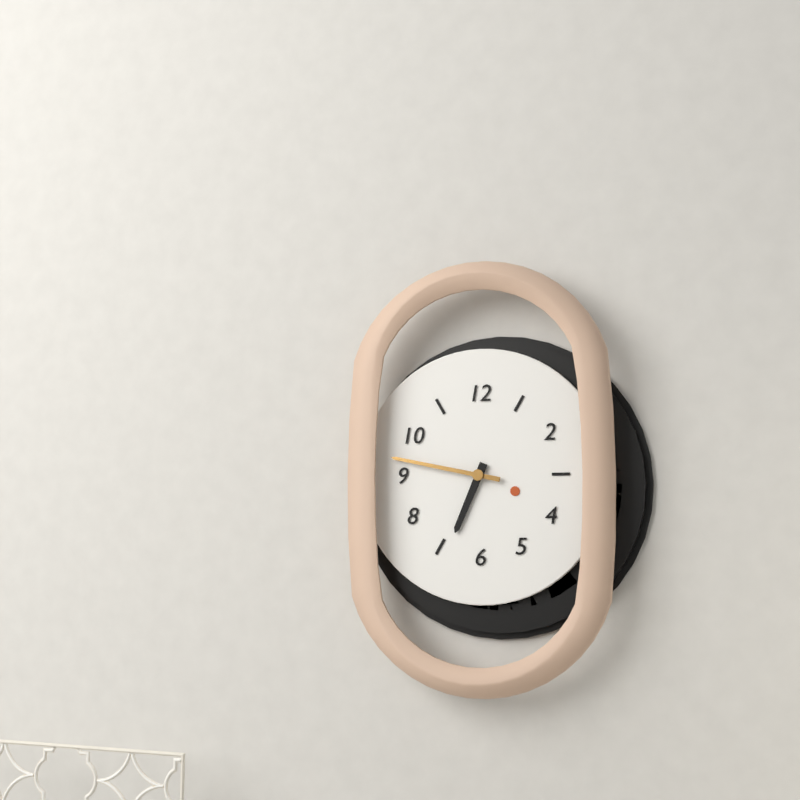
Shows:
{"hour": 6, "minute": 47}
